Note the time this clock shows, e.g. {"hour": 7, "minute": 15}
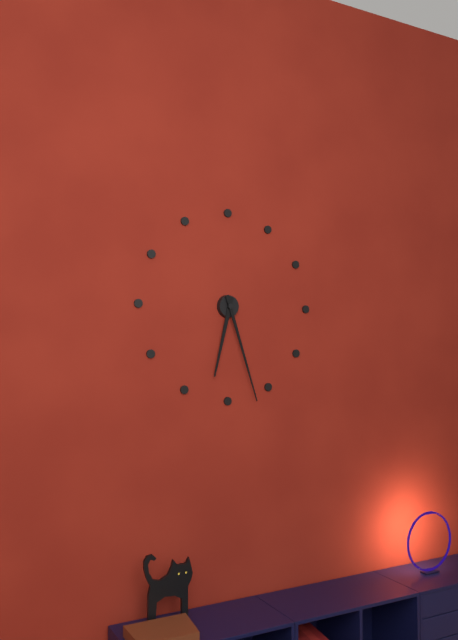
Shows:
{"hour": 6, "minute": 27}
